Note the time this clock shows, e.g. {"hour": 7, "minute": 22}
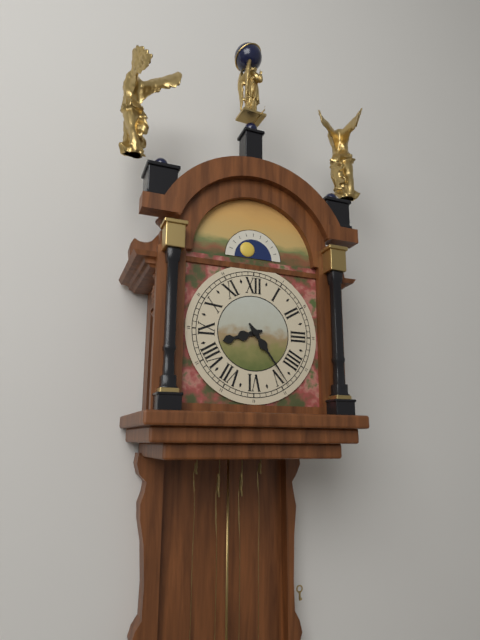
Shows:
{"hour": 8, "minute": 24}
